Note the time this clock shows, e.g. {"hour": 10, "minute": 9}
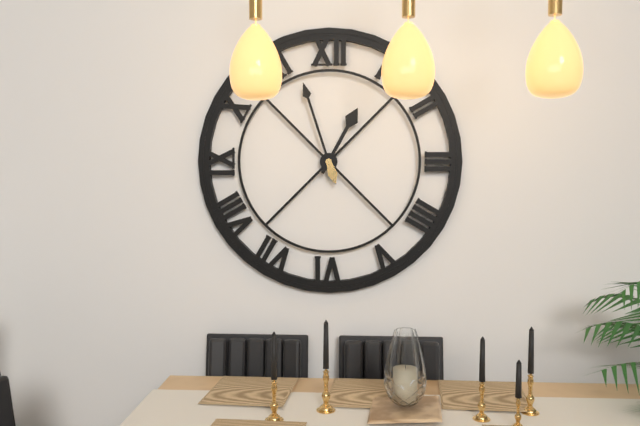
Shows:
{"hour": 12, "minute": 57}
